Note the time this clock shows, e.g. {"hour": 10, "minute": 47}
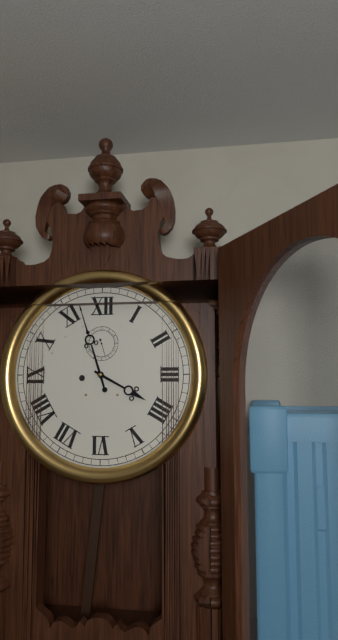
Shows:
{"hour": 3, "minute": 57}
